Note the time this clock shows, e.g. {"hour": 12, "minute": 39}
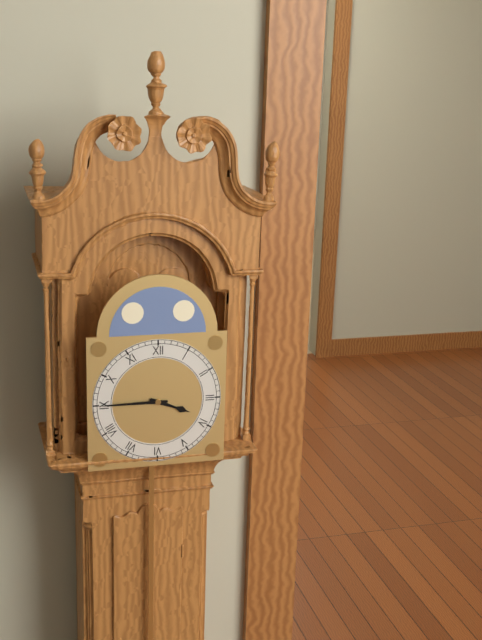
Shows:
{"hour": 3, "minute": 45}
